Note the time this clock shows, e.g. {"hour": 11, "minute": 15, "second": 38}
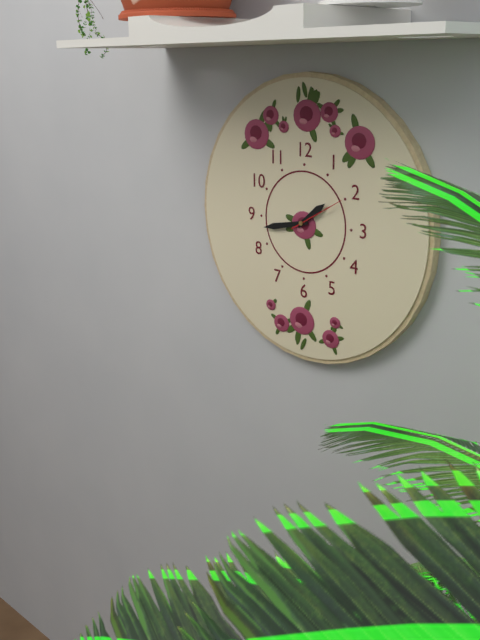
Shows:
{"hour": 1, "minute": 43, "second": 10}
